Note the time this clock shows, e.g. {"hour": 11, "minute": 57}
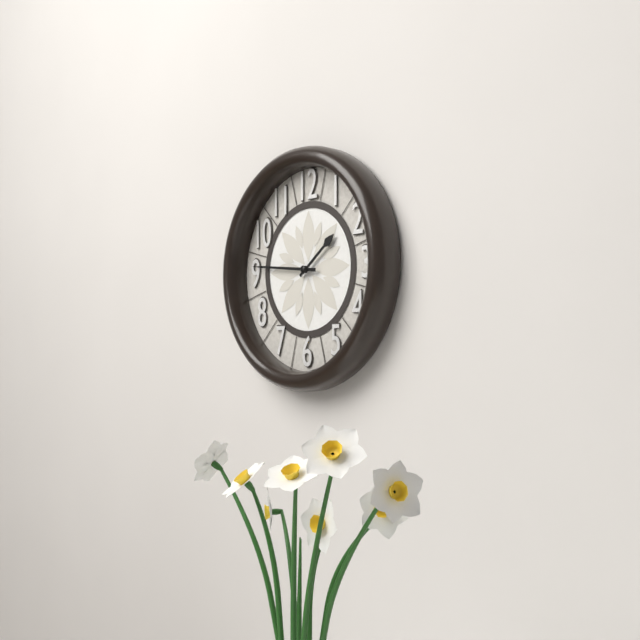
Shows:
{"hour": 1, "minute": 46}
